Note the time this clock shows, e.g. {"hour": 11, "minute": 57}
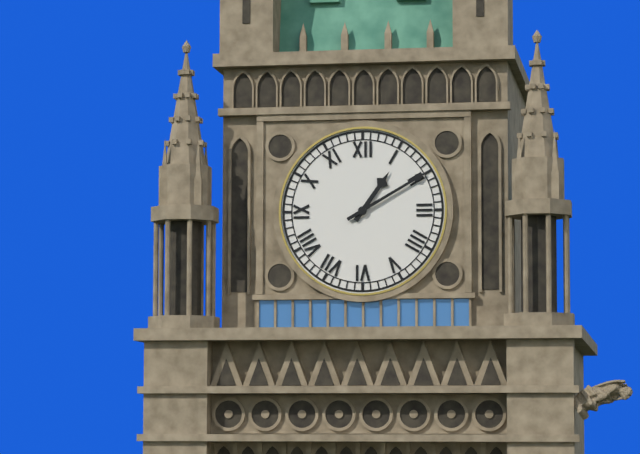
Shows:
{"hour": 1, "minute": 10}
